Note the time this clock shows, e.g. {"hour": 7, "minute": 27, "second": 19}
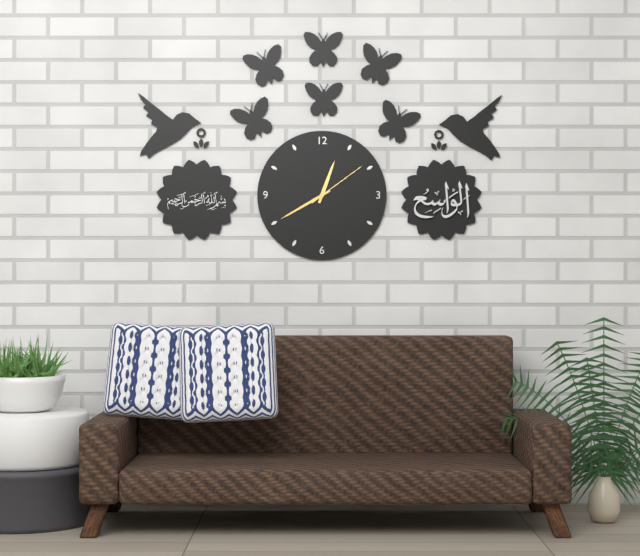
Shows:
{"hour": 12, "minute": 40, "second": 9}
